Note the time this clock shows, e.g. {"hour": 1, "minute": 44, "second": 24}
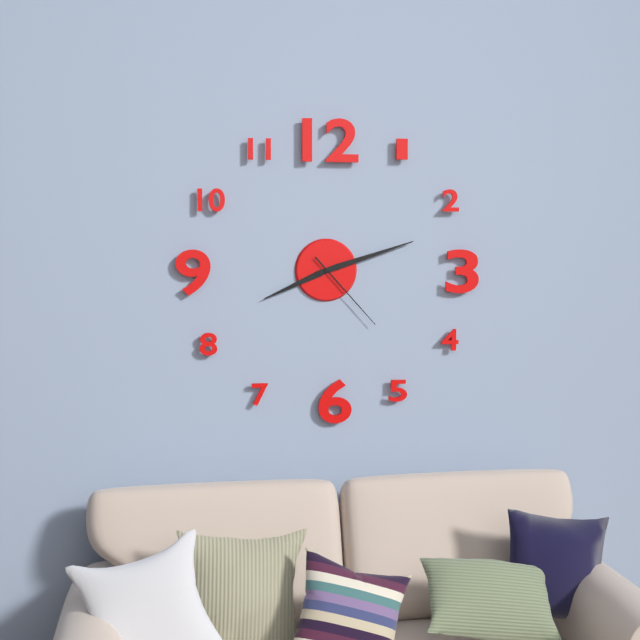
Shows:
{"hour": 8, "minute": 12, "second": 23}
